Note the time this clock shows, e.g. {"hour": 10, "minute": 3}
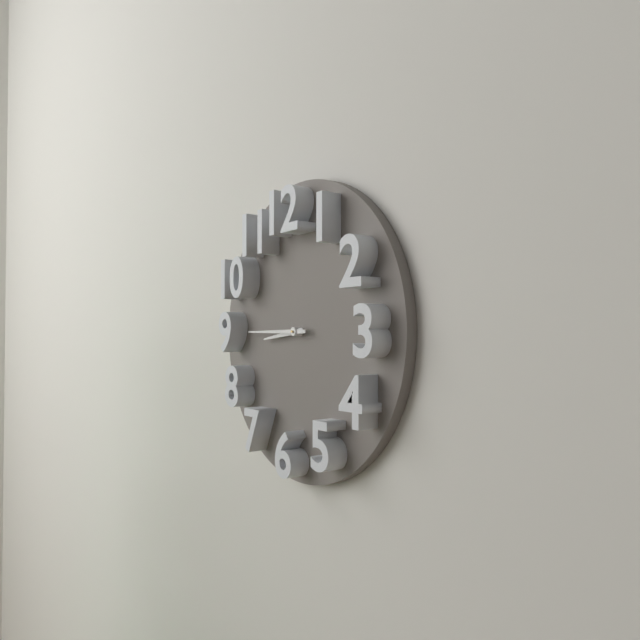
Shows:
{"hour": 8, "minute": 45}
